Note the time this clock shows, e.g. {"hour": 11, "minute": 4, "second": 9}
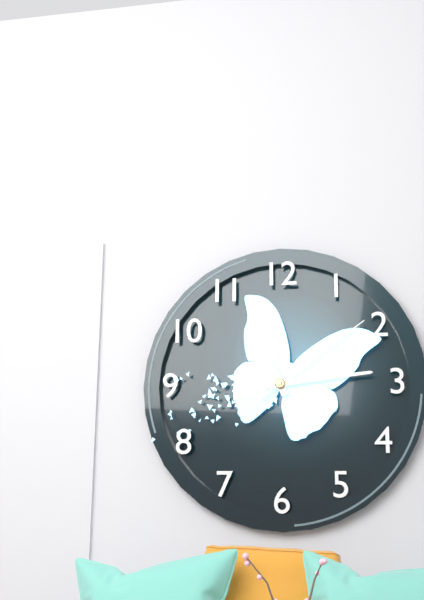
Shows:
{"hour": 11, "minute": 14, "second": 9}
